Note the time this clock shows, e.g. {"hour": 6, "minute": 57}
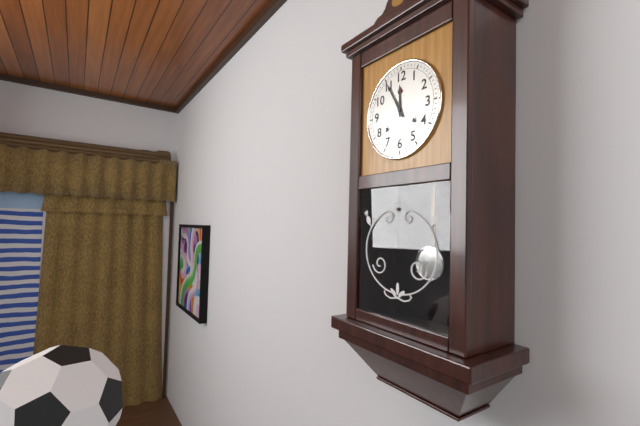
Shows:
{"hour": 11, "minute": 55}
